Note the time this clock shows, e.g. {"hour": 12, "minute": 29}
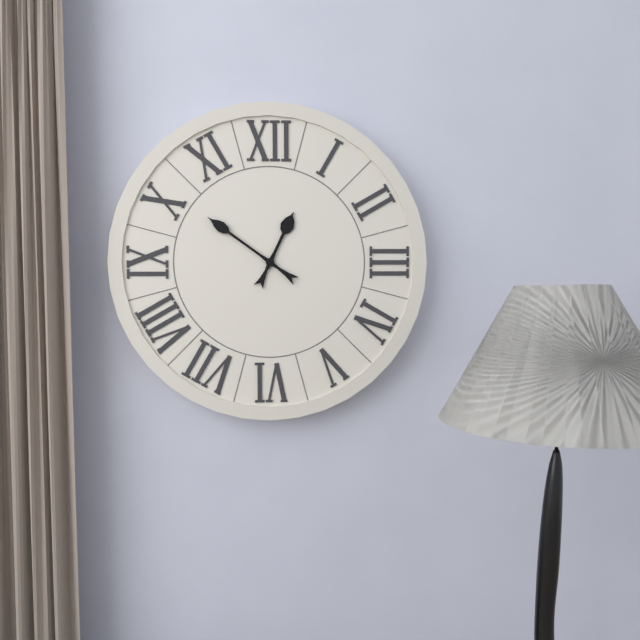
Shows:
{"hour": 12, "minute": 51}
